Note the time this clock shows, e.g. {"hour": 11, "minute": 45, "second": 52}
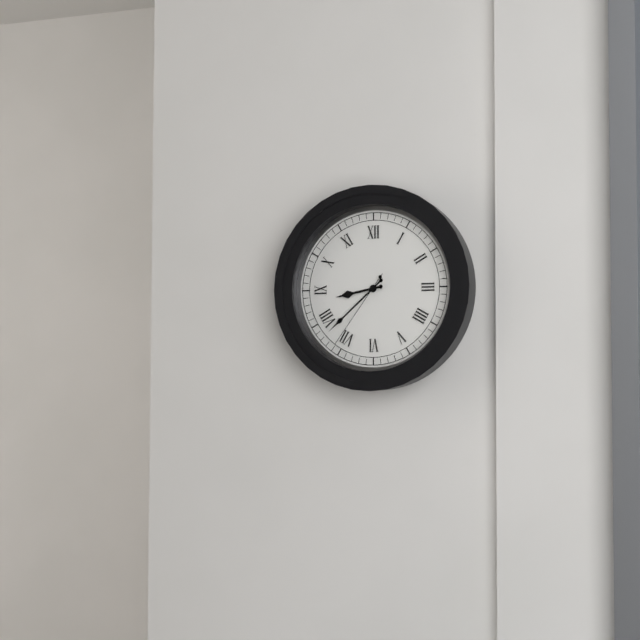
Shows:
{"hour": 8, "minute": 38, "second": 36}
